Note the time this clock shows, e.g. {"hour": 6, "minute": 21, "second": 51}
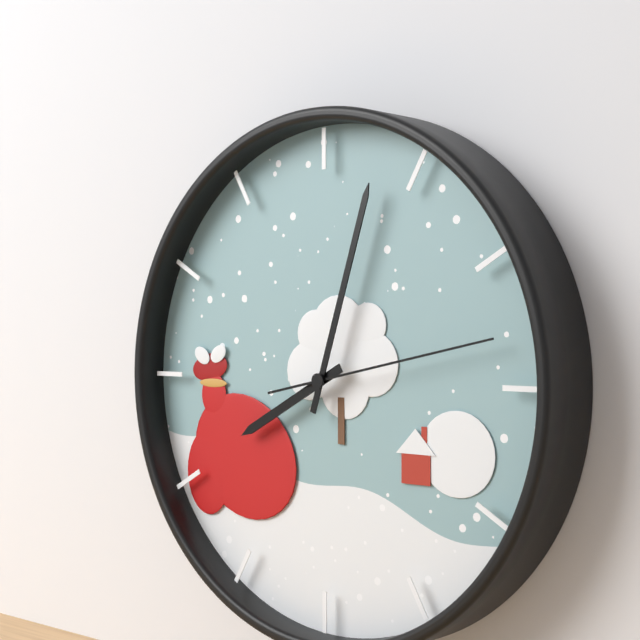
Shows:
{"hour": 8, "minute": 3, "second": 13}
